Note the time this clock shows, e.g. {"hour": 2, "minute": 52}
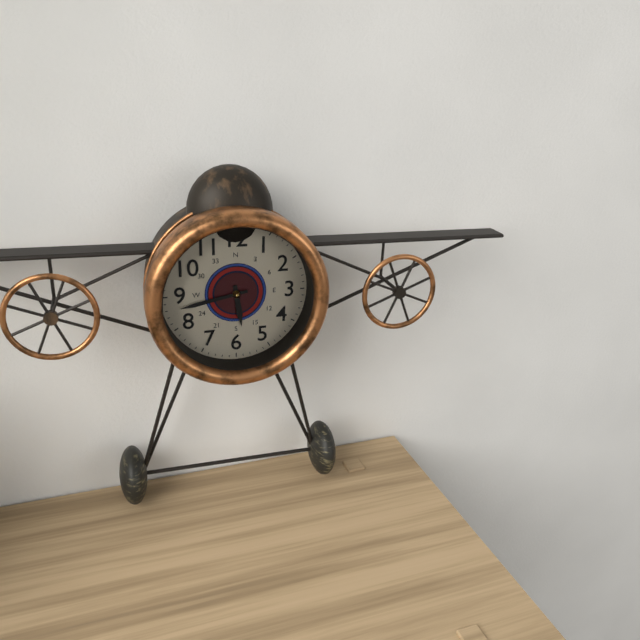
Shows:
{"hour": 5, "minute": 43}
